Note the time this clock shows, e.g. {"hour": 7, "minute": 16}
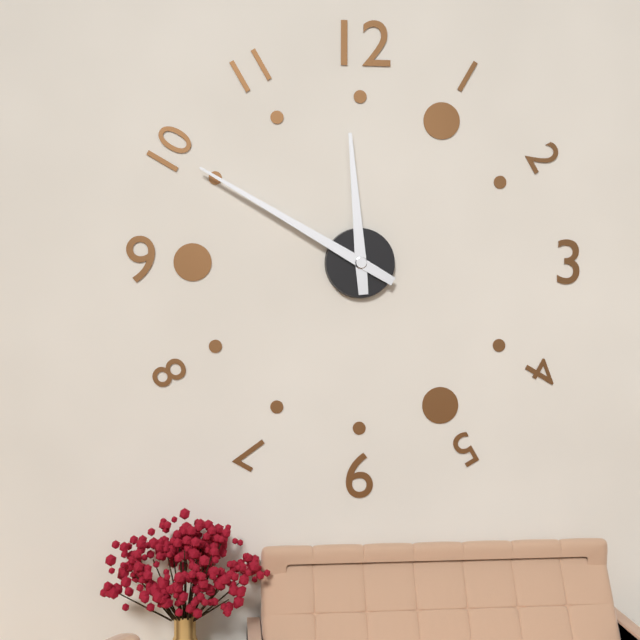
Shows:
{"hour": 11, "minute": 50}
